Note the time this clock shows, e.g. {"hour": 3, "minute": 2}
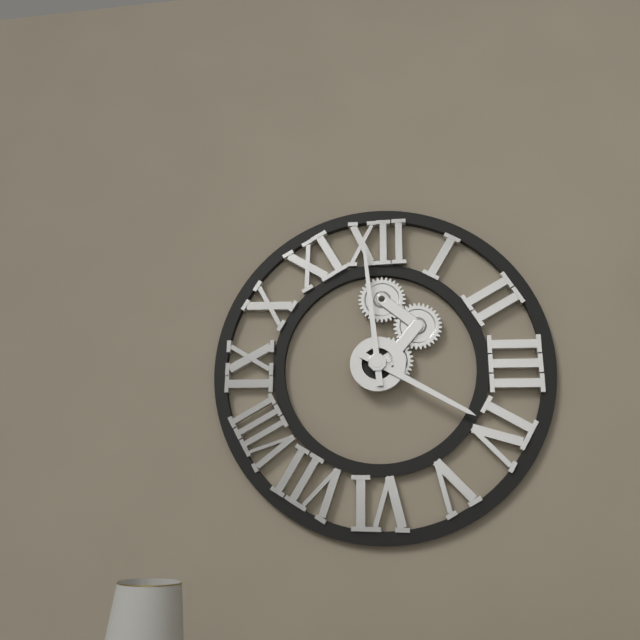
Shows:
{"hour": 3, "minute": 59}
